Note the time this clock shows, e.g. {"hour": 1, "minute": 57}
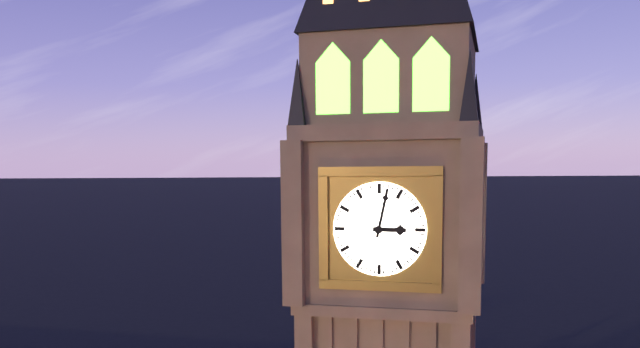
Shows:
{"hour": 3, "minute": 2}
